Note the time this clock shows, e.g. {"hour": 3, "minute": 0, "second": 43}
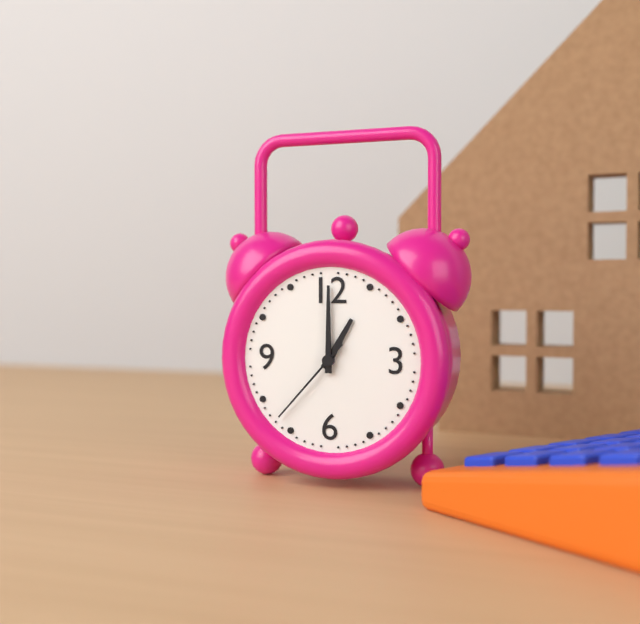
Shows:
{"hour": 1, "minute": 0, "second": 37}
